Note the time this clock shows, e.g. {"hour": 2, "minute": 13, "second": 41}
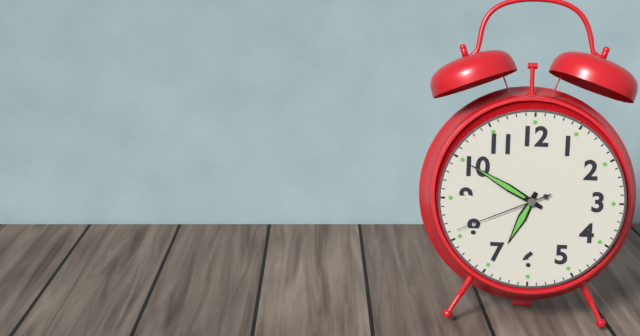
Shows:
{"hour": 6, "minute": 50, "second": 41}
